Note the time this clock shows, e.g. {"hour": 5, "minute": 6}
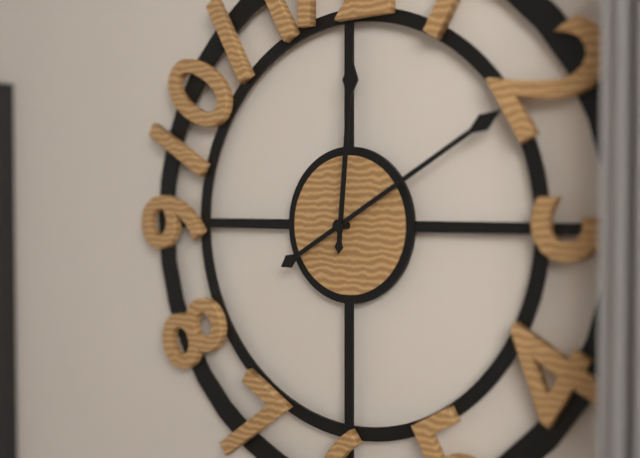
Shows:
{"hour": 12, "minute": 10}
